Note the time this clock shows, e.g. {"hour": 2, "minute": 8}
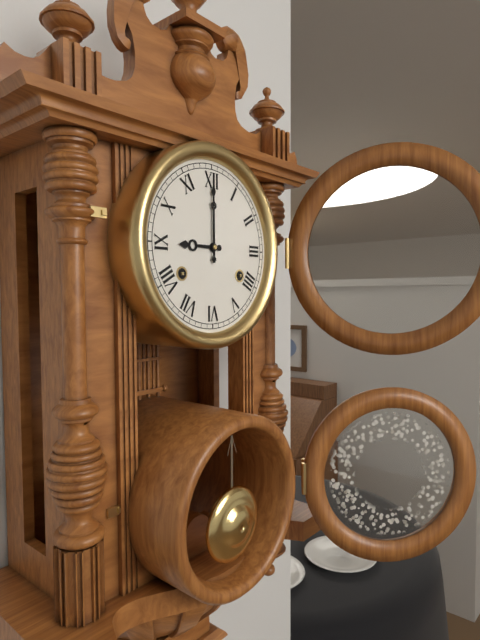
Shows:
{"hour": 9, "minute": 0}
